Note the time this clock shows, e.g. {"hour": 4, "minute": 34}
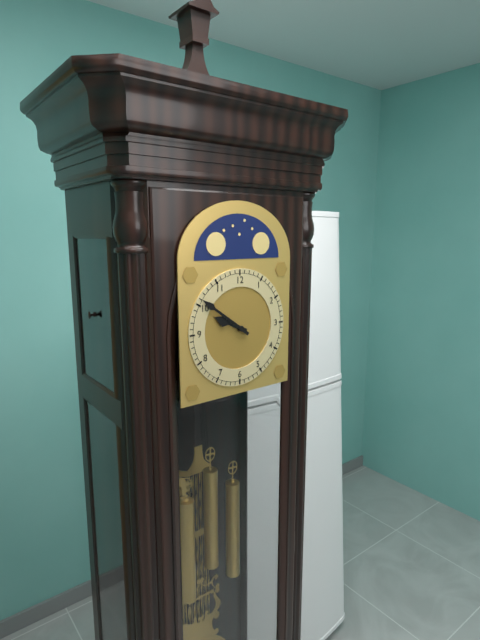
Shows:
{"hour": 9, "minute": 51}
